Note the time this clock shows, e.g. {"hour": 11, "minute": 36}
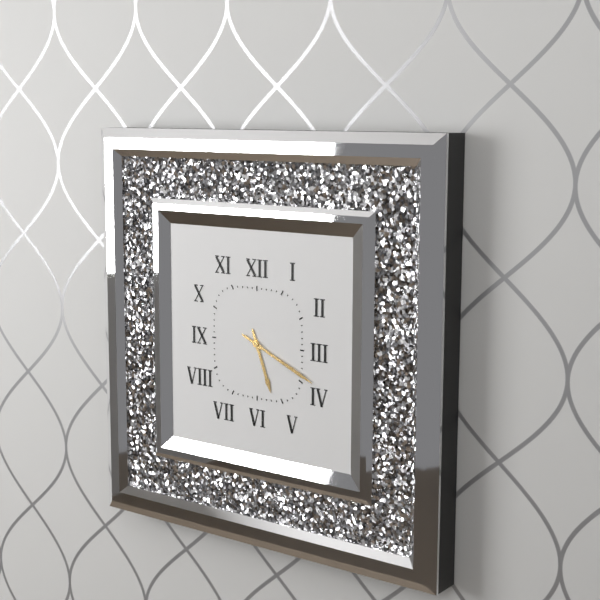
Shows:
{"hour": 5, "minute": 19}
